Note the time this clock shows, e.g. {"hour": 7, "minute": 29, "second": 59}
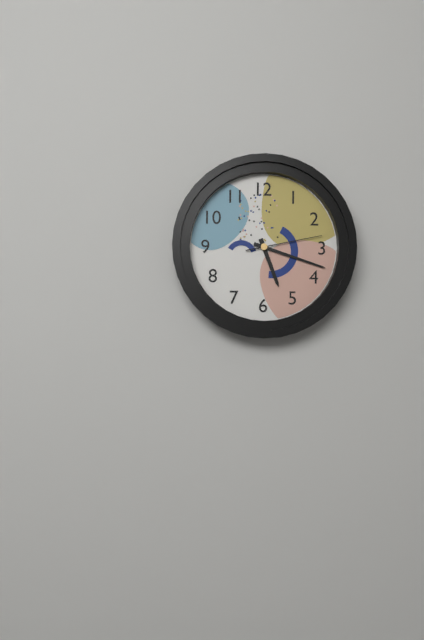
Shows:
{"hour": 5, "minute": 18, "second": 13}
